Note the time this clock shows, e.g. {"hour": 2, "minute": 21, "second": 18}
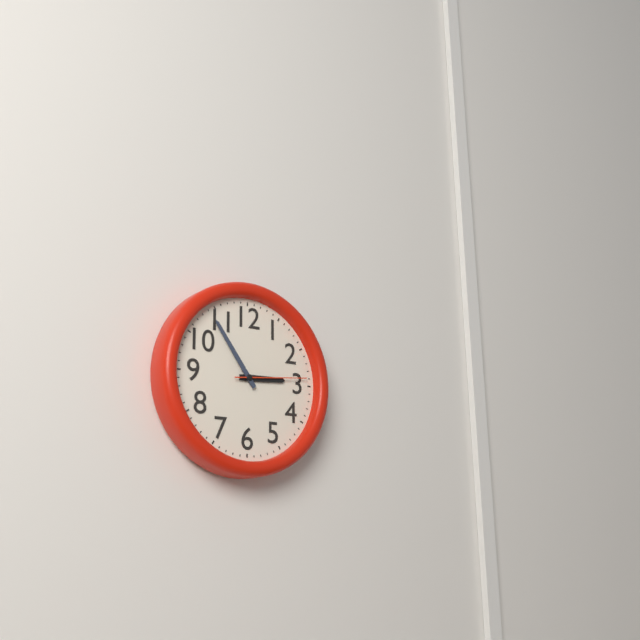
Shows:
{"hour": 2, "minute": 54, "second": 14}
